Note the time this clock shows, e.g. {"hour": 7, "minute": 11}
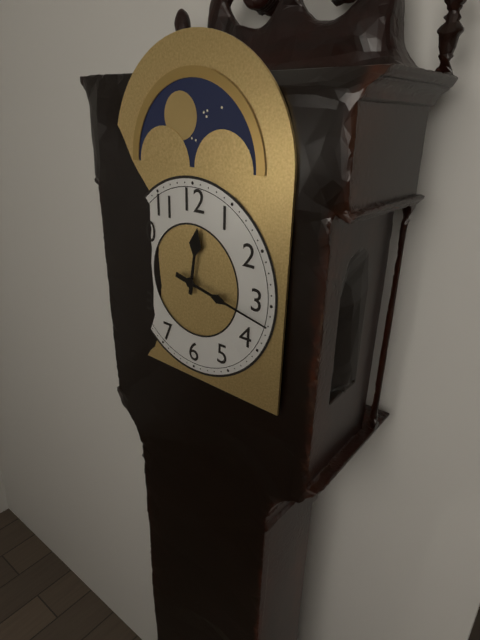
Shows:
{"hour": 12, "minute": 17}
